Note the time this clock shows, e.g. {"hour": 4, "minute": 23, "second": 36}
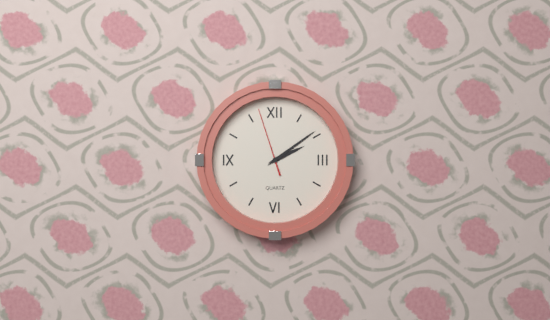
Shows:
{"hour": 2, "minute": 9, "second": 57}
